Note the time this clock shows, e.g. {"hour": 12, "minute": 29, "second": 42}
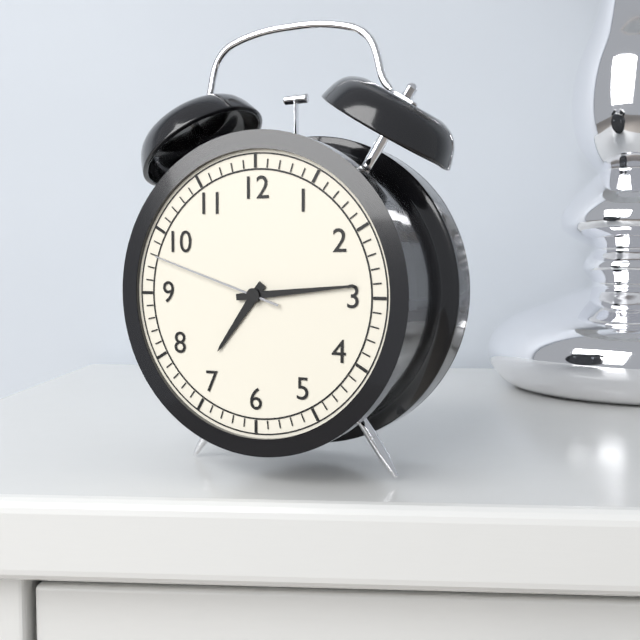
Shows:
{"hour": 7, "minute": 14, "second": 48}
